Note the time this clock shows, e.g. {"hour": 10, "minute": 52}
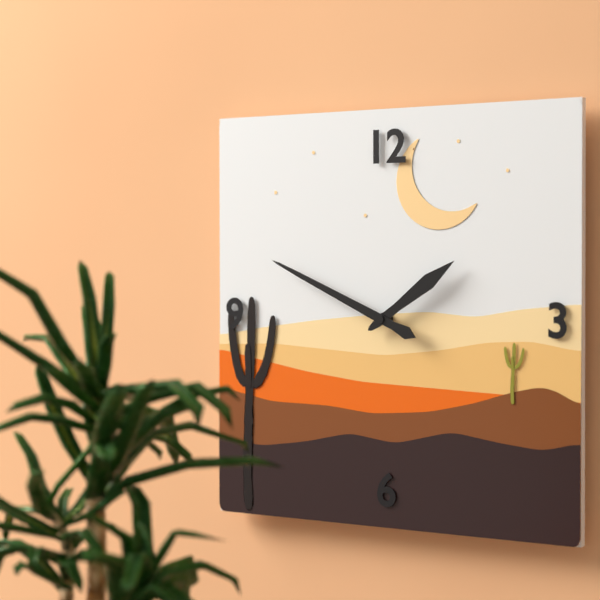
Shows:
{"hour": 1, "minute": 49}
